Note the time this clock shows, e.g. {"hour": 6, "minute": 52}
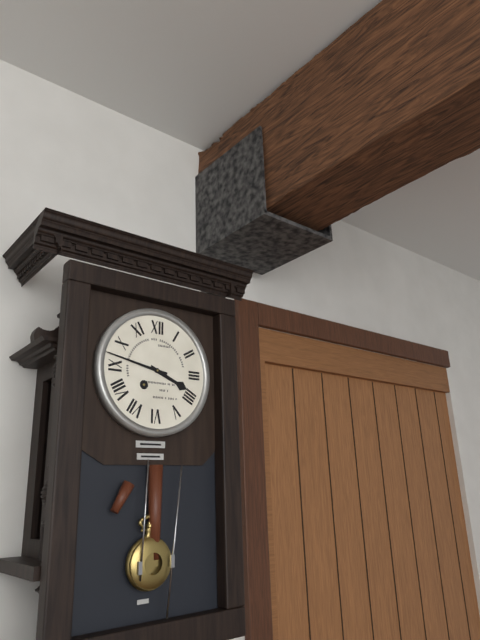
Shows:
{"hour": 3, "minute": 47}
